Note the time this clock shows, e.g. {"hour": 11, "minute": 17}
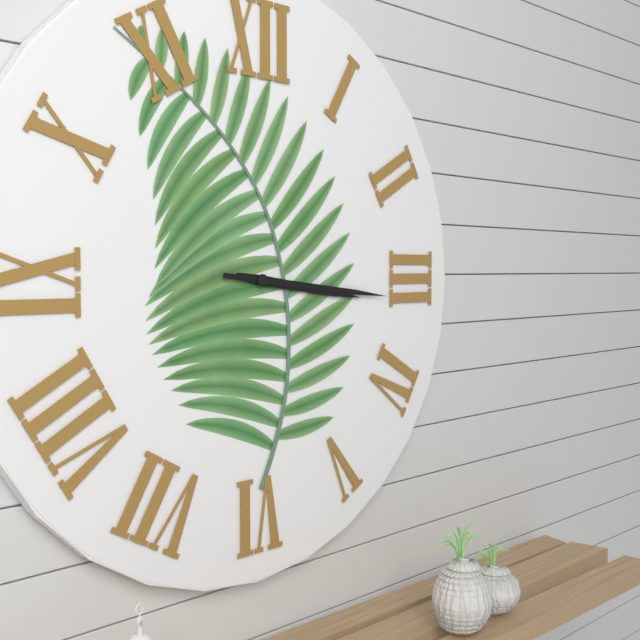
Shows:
{"hour": 3, "minute": 16}
